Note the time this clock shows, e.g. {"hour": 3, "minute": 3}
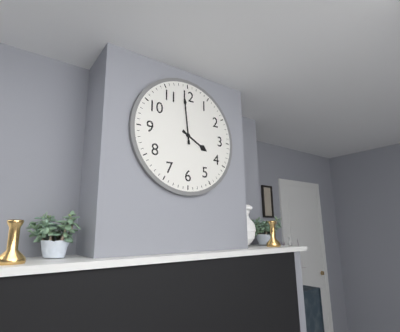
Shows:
{"hour": 3, "minute": 59}
